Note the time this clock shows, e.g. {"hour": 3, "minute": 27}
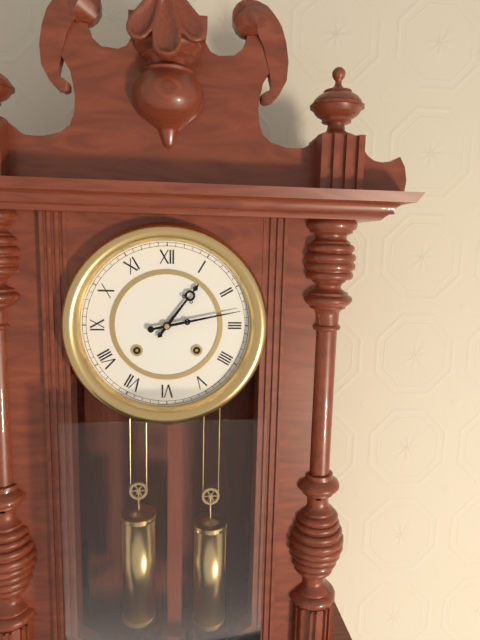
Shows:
{"hour": 1, "minute": 13}
